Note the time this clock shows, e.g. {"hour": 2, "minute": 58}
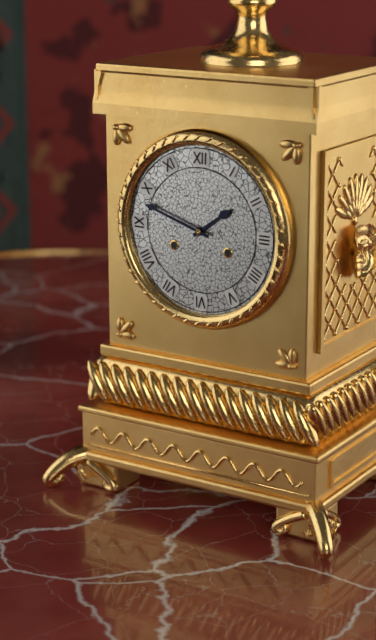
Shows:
{"hour": 1, "minute": 48}
